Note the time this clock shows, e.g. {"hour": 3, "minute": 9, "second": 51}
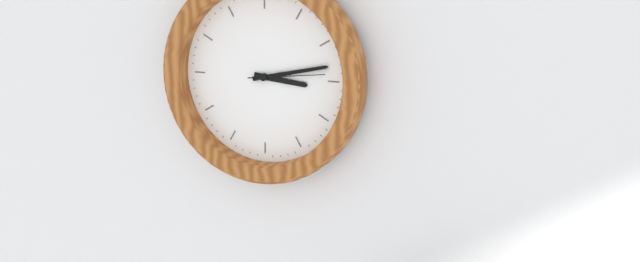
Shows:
{"hour": 3, "minute": 13, "second": 14}
